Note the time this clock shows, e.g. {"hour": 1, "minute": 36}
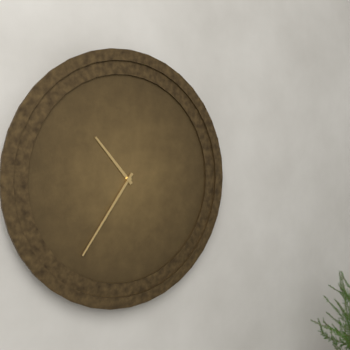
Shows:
{"hour": 10, "minute": 36}
